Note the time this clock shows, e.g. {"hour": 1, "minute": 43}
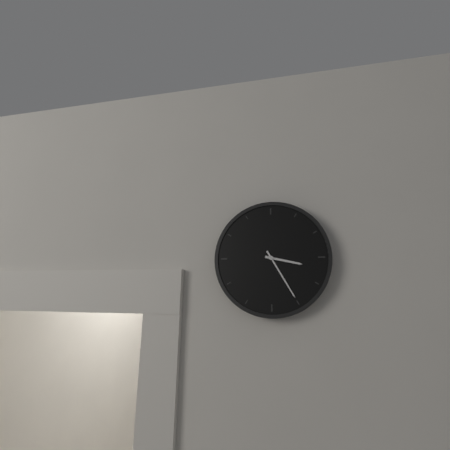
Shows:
{"hour": 3, "minute": 25}
